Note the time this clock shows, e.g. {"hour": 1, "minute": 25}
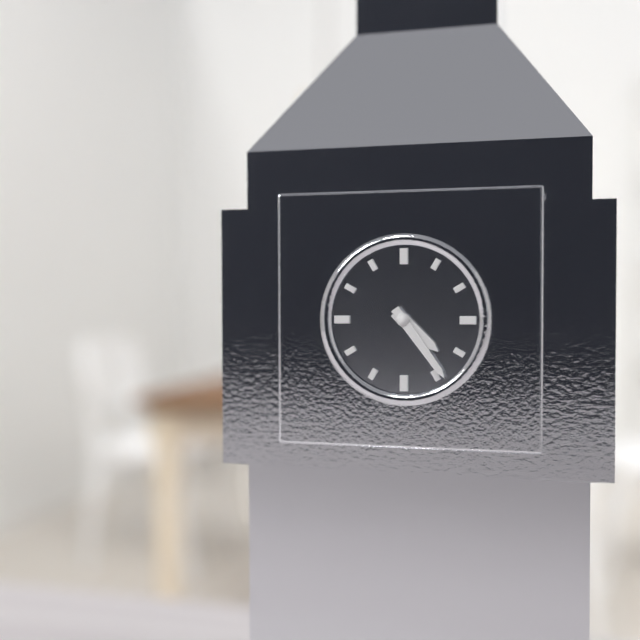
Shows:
{"hour": 4, "minute": 24}
